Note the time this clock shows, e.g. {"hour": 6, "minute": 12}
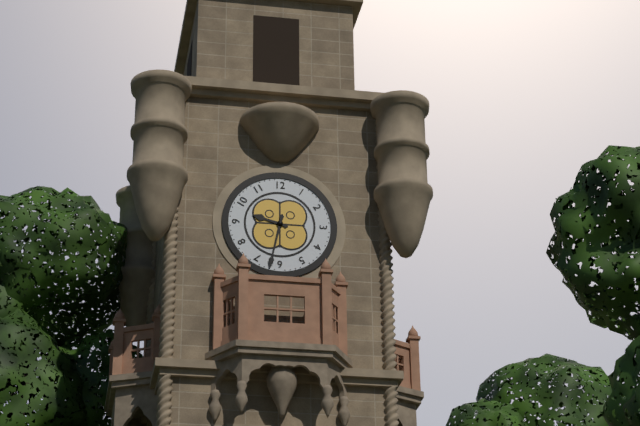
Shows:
{"hour": 9, "minute": 32}
